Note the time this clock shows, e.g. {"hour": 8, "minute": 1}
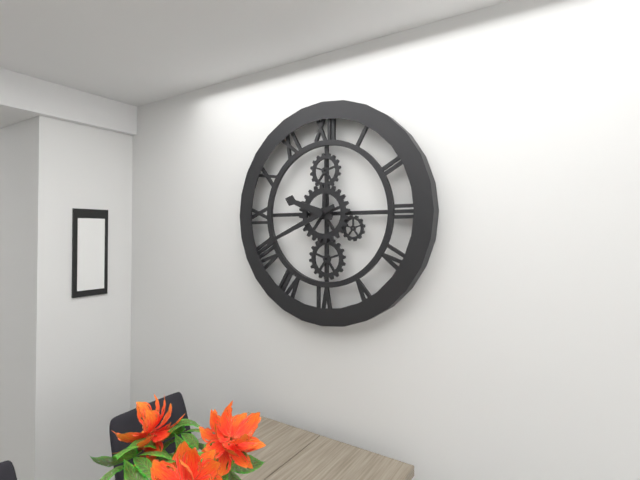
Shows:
{"hour": 9, "minute": 41}
